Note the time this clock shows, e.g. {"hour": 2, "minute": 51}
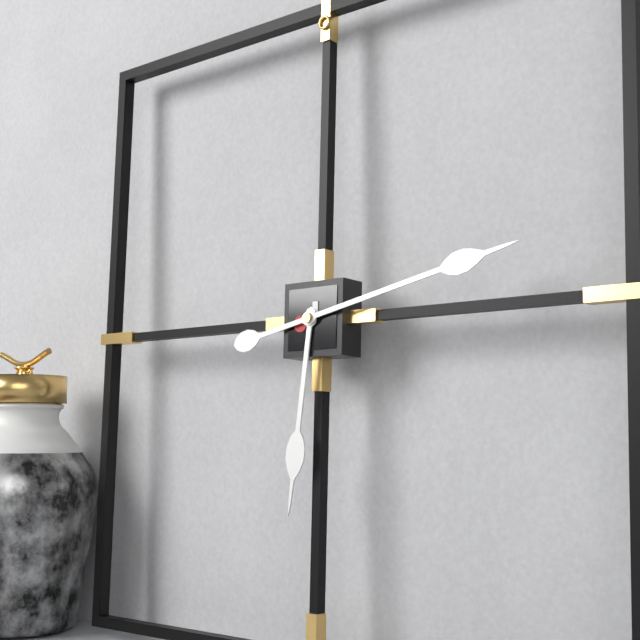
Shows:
{"hour": 6, "minute": 13}
